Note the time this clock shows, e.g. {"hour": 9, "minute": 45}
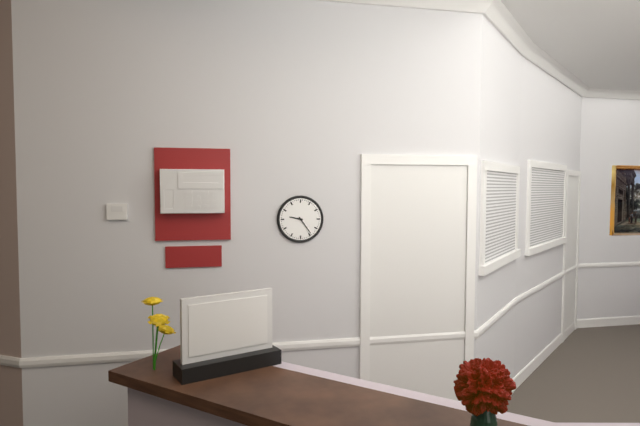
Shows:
{"hour": 9, "minute": 24}
